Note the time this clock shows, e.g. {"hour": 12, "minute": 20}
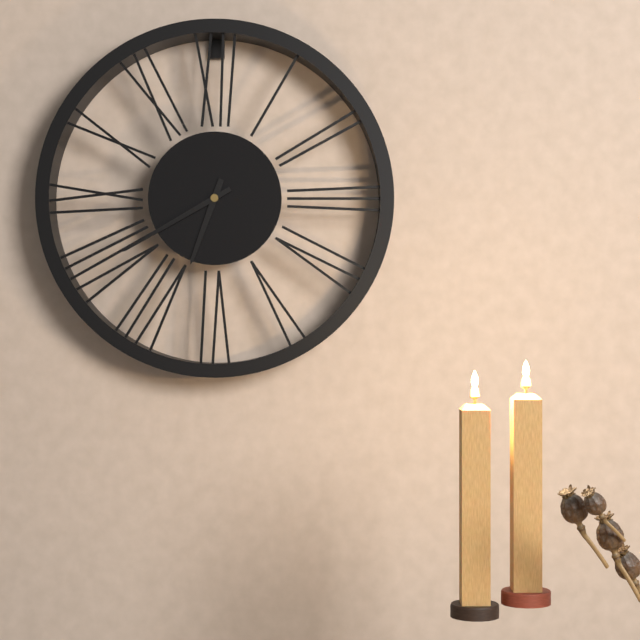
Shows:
{"hour": 6, "minute": 40}
